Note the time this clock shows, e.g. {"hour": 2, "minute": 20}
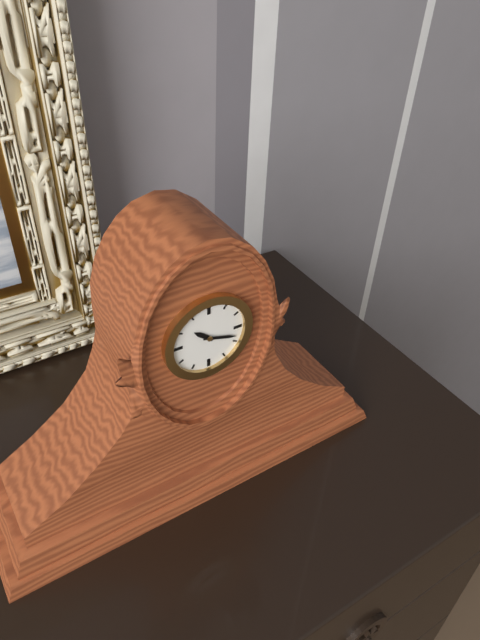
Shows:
{"hour": 10, "minute": 18}
